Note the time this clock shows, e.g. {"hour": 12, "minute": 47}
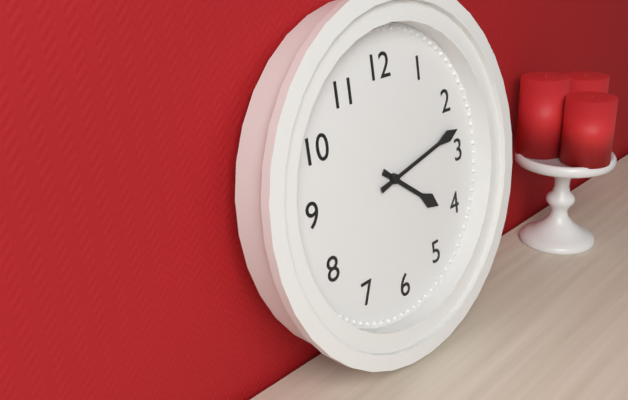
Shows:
{"hour": 4, "minute": 13}
